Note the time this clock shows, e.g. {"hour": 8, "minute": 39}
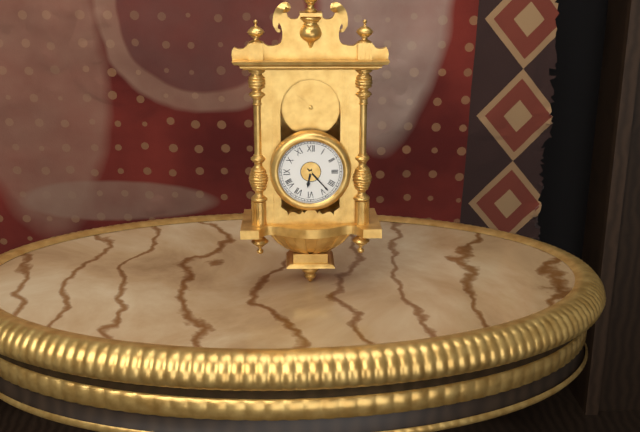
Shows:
{"hour": 6, "minute": 23}
